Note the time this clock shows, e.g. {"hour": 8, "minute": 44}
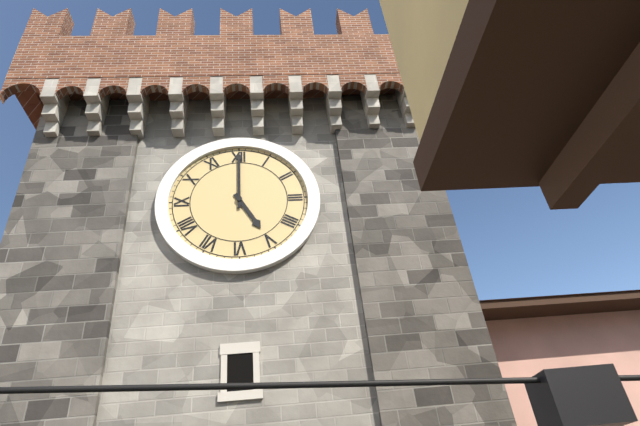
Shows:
{"hour": 5, "minute": 0}
